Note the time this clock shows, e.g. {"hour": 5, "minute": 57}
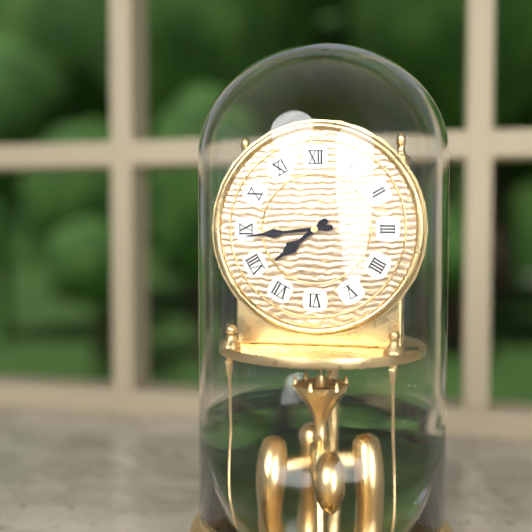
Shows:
{"hour": 7, "minute": 44}
